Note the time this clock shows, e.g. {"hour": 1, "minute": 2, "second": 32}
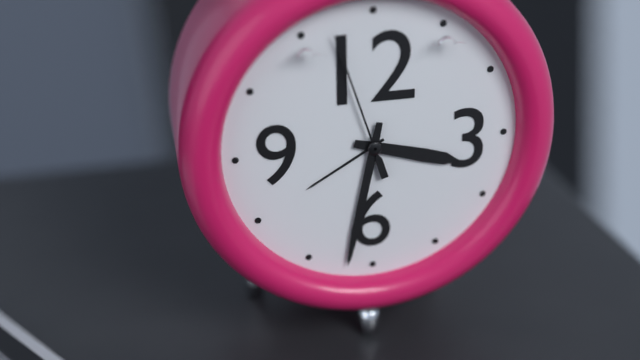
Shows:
{"hour": 3, "minute": 32, "second": 57}
